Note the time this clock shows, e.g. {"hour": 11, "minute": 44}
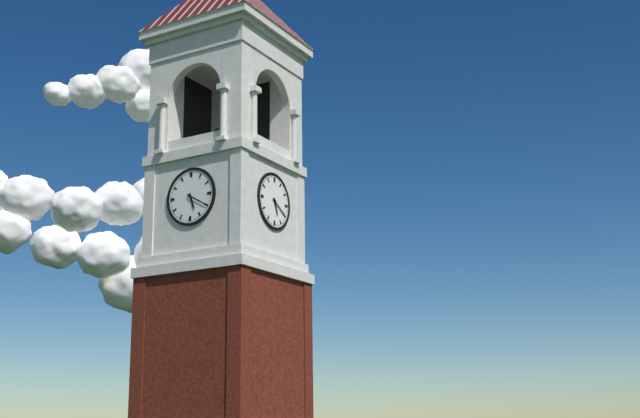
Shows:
{"hour": 5, "minute": 20}
